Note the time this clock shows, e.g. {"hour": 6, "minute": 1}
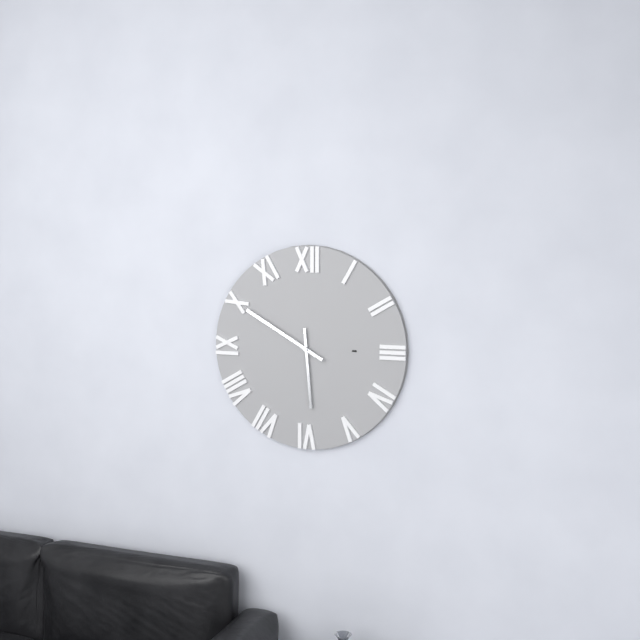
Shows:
{"hour": 5, "minute": 50}
